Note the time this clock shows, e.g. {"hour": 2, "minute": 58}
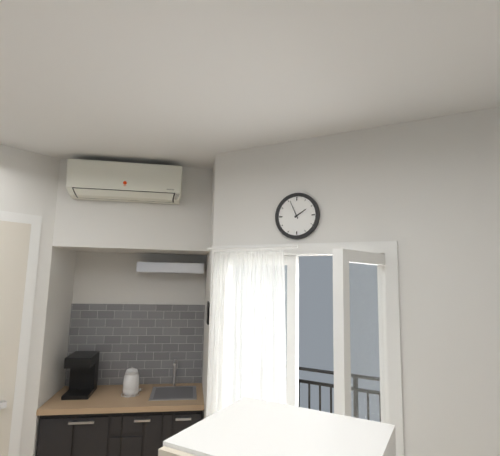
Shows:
{"hour": 1, "minute": 56}
